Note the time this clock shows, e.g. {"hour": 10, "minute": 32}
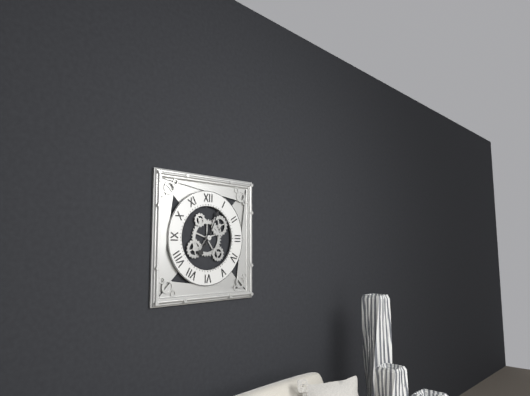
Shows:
{"hour": 7, "minute": 4}
